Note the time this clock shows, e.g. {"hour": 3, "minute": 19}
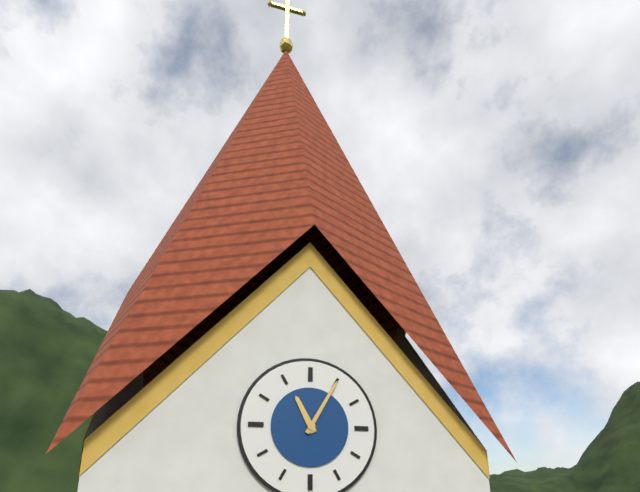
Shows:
{"hour": 11, "minute": 5}
